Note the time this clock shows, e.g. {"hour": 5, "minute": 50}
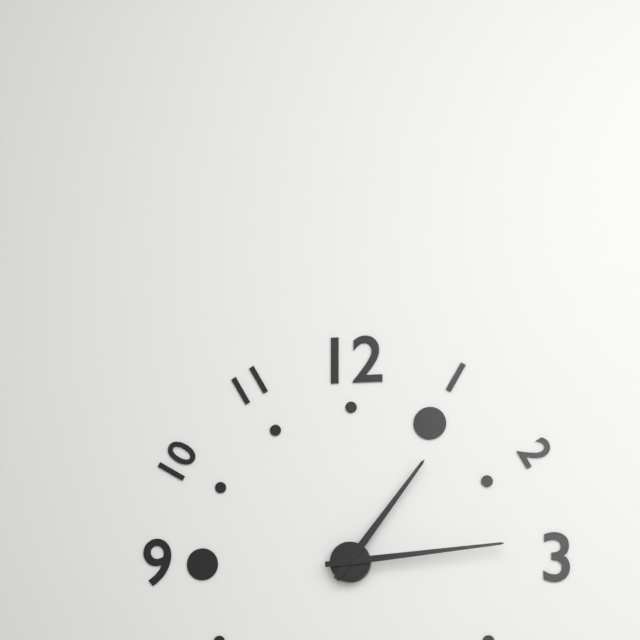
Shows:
{"hour": 1, "minute": 14}
